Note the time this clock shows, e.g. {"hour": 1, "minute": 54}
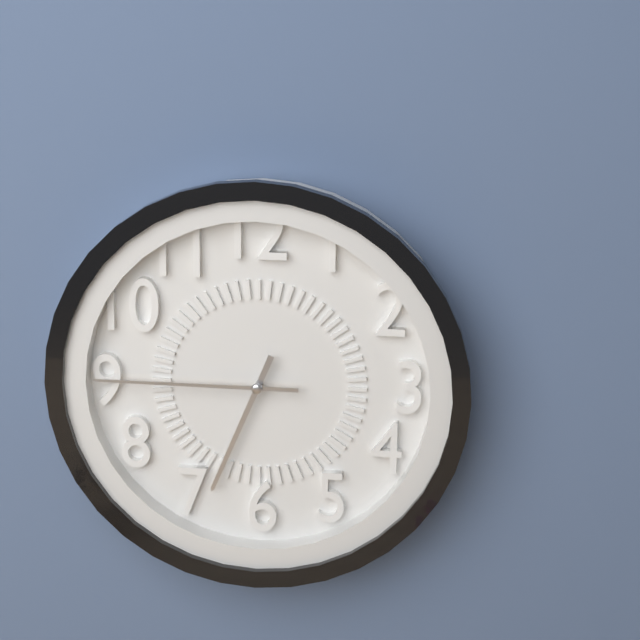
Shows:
{"hour": 6, "minute": 45}
